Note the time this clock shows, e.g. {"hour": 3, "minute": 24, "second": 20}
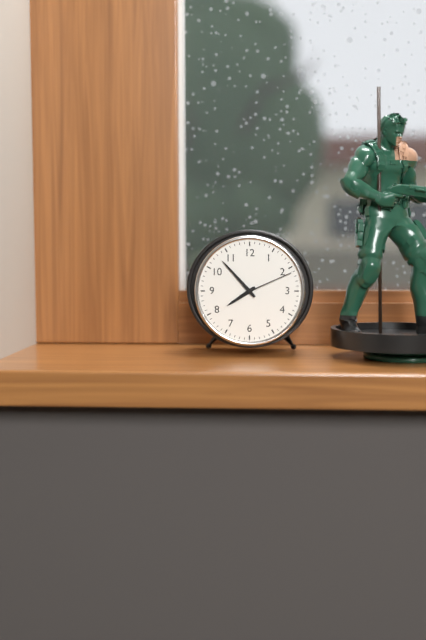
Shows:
{"hour": 7, "minute": 53, "second": 11}
